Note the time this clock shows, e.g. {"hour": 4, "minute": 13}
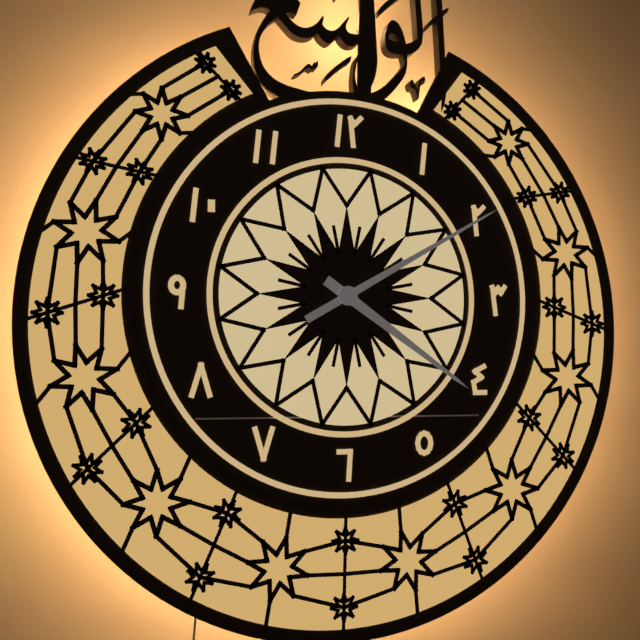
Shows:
{"hour": 4, "minute": 10}
